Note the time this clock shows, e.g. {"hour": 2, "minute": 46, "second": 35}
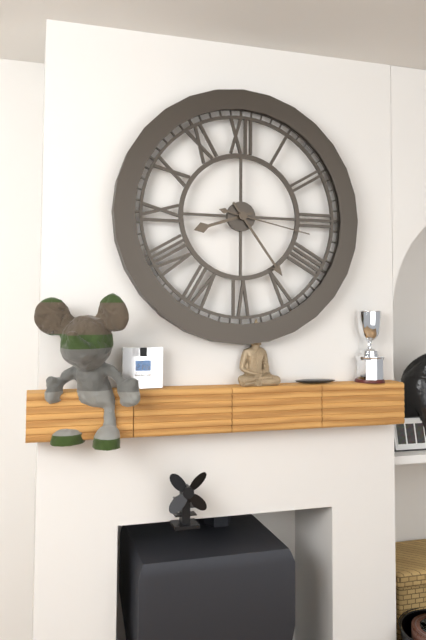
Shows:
{"hour": 8, "minute": 24, "second": 17}
